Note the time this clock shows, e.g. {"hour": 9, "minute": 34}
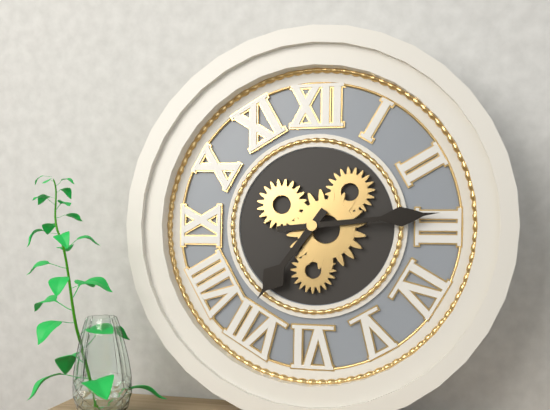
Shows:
{"hour": 7, "minute": 14}
